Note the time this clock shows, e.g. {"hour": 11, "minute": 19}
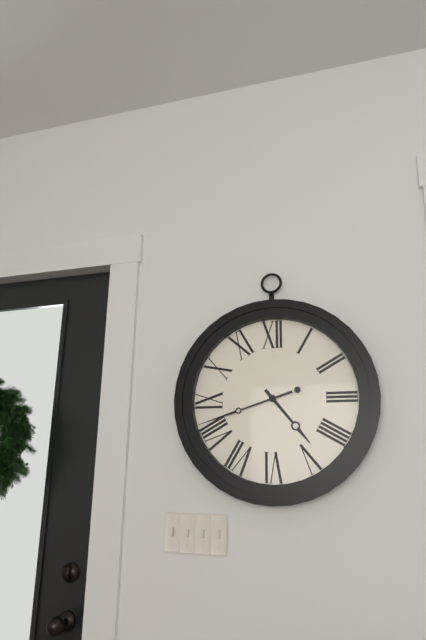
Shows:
{"hour": 4, "minute": 42}
